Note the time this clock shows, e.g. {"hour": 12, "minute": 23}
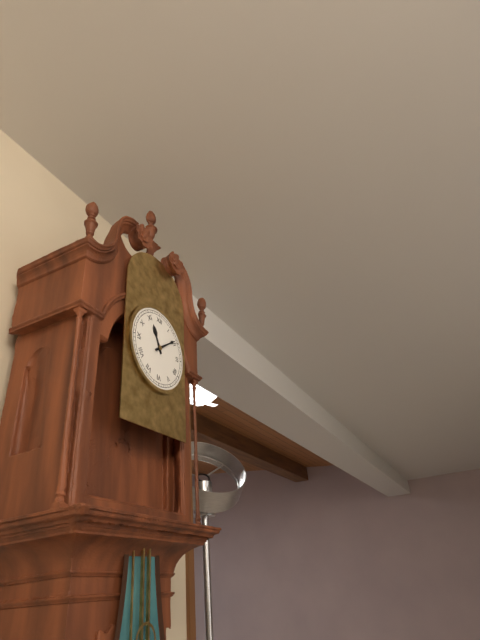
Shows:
{"hour": 11, "minute": 9}
